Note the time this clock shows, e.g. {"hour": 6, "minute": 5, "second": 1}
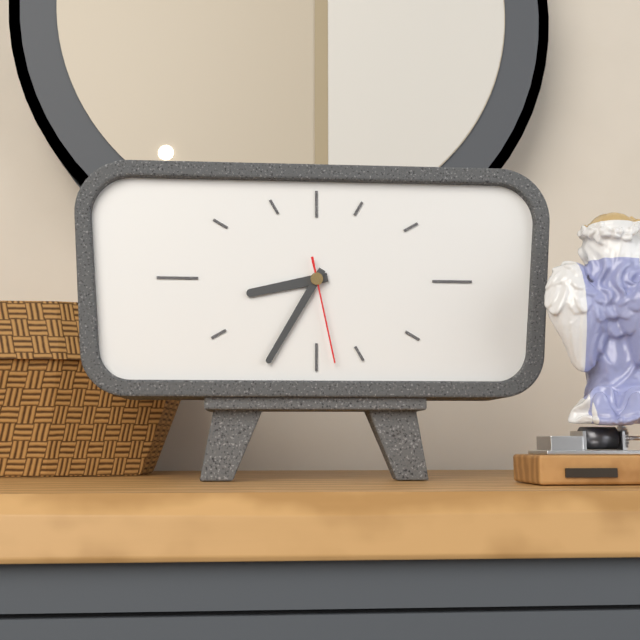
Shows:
{"hour": 8, "minute": 35, "second": 28}
